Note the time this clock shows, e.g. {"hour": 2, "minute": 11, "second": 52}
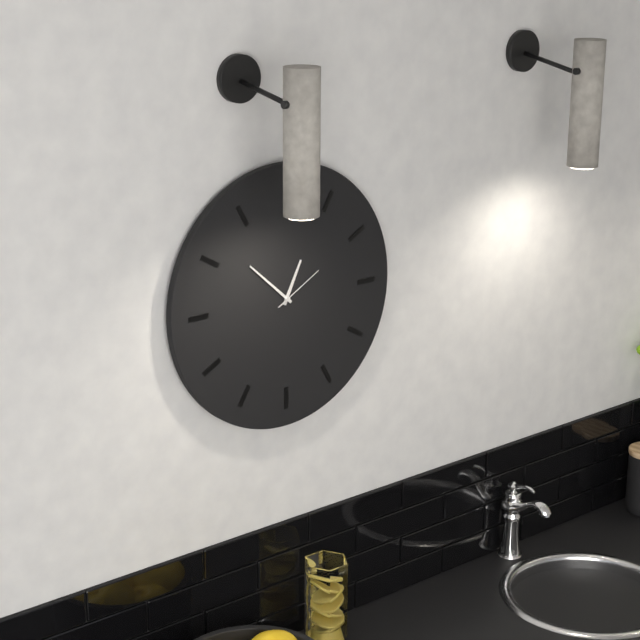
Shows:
{"hour": 12, "minute": 52, "second": 10}
